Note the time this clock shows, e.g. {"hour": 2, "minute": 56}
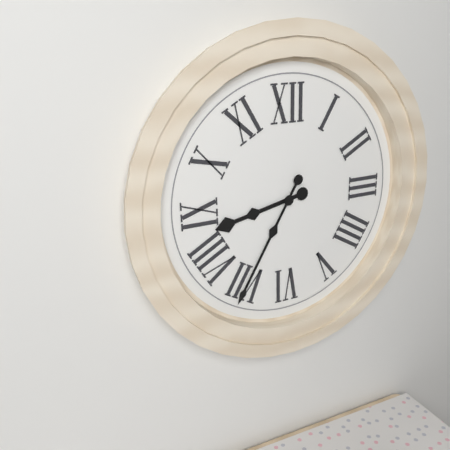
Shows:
{"hour": 8, "minute": 35}
